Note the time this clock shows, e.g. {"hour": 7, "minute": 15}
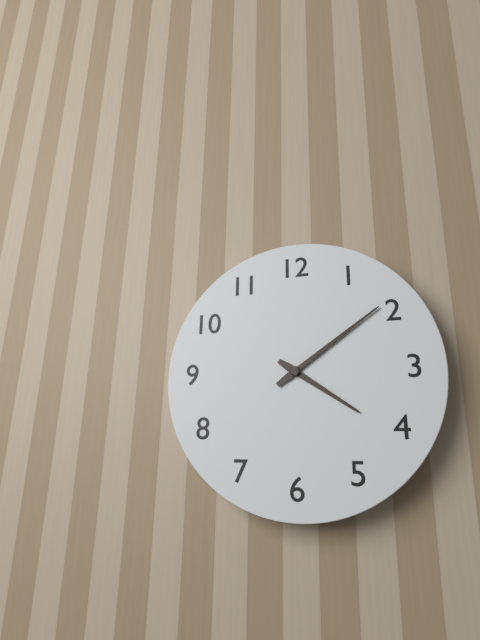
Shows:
{"hour": 4, "minute": 9}
